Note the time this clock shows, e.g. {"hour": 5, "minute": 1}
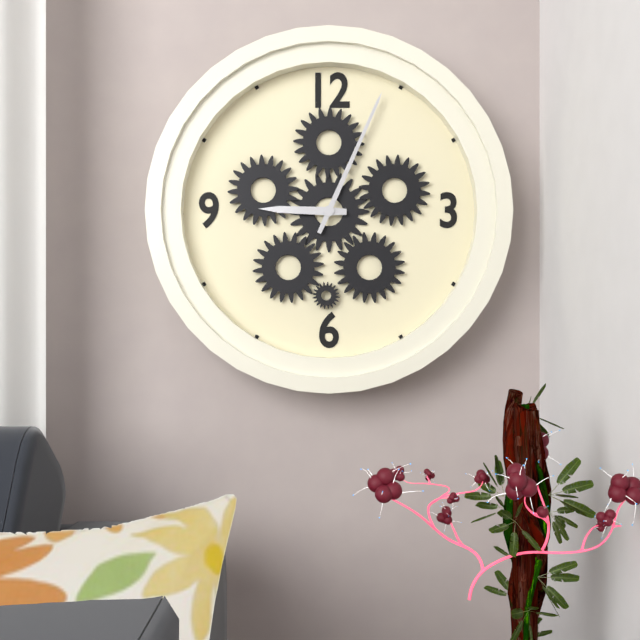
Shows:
{"hour": 9, "minute": 4}
